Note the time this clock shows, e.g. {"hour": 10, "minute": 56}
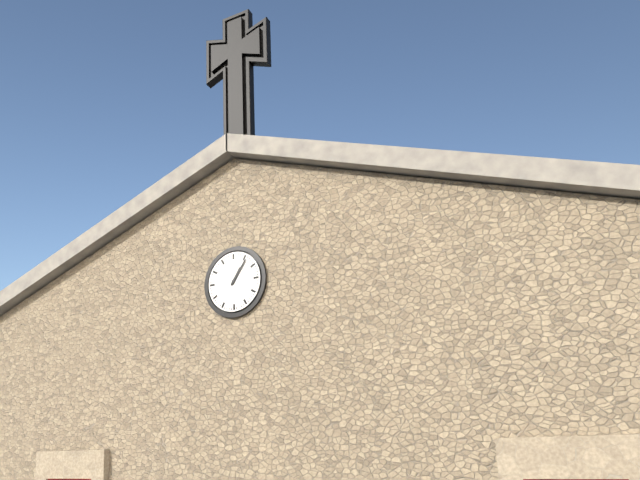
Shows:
{"hour": 1, "minute": 6}
